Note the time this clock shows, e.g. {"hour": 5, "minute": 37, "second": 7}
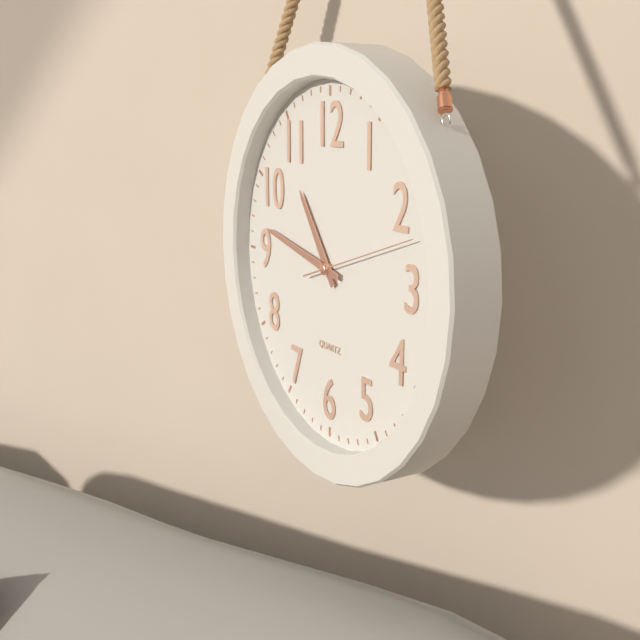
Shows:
{"hour": 10, "minute": 47, "second": 12}
